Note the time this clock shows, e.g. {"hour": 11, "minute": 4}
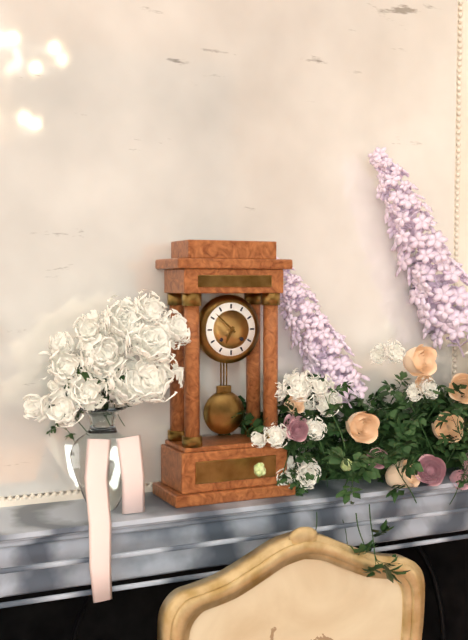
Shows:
{"hour": 6, "minute": 52}
